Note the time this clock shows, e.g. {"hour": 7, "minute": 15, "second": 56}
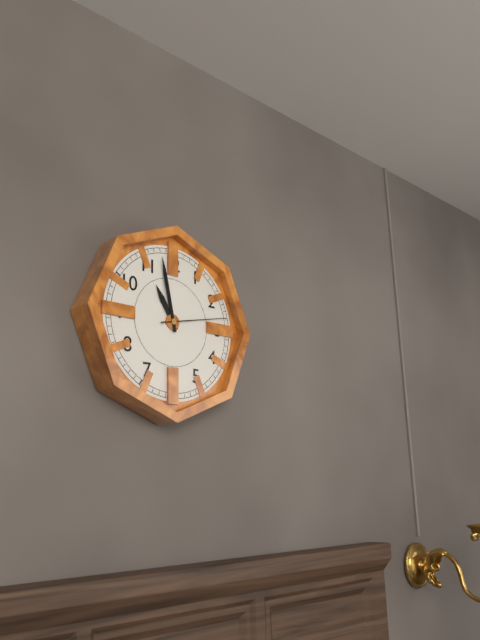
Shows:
{"hour": 10, "minute": 58, "second": 13}
